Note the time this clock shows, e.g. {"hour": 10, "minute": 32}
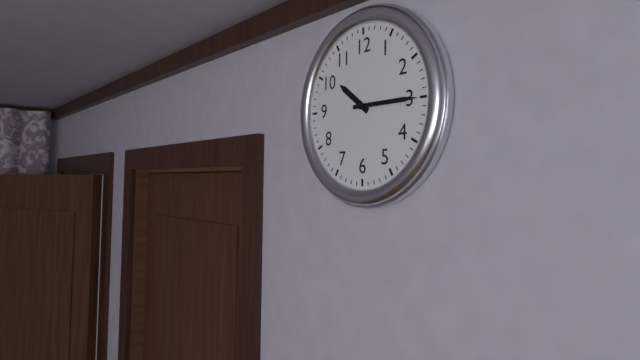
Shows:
{"hour": 10, "minute": 15}
